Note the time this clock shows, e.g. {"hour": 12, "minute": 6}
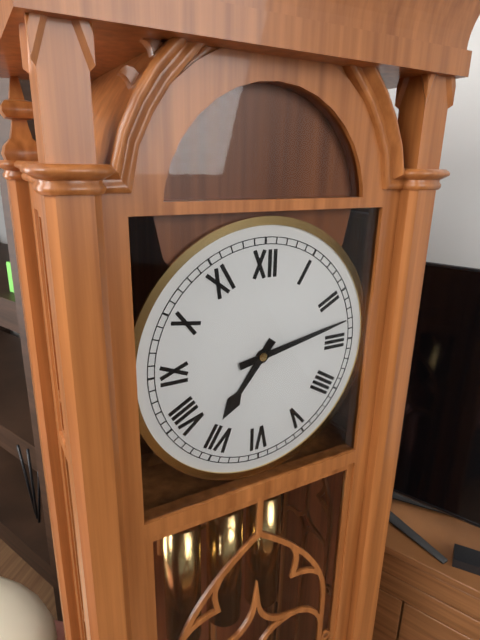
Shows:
{"hour": 7, "minute": 13}
